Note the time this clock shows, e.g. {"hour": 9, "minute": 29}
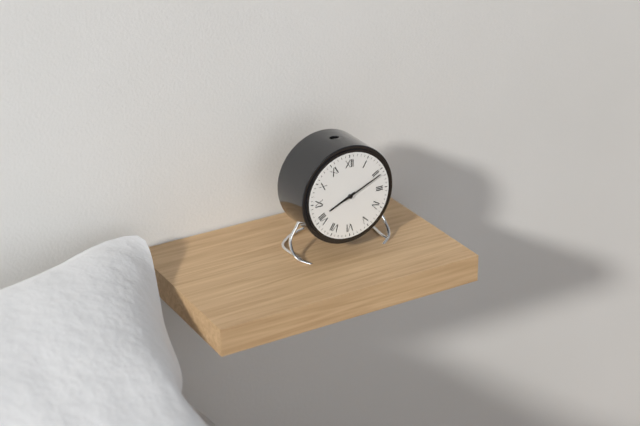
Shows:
{"hour": 8, "minute": 11}
